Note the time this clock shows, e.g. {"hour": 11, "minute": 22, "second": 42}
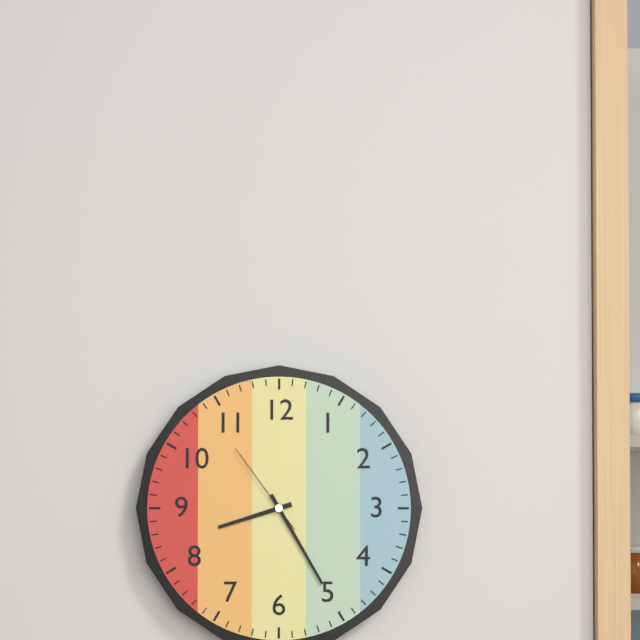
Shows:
{"hour": 8, "minute": 25, "second": 54}
